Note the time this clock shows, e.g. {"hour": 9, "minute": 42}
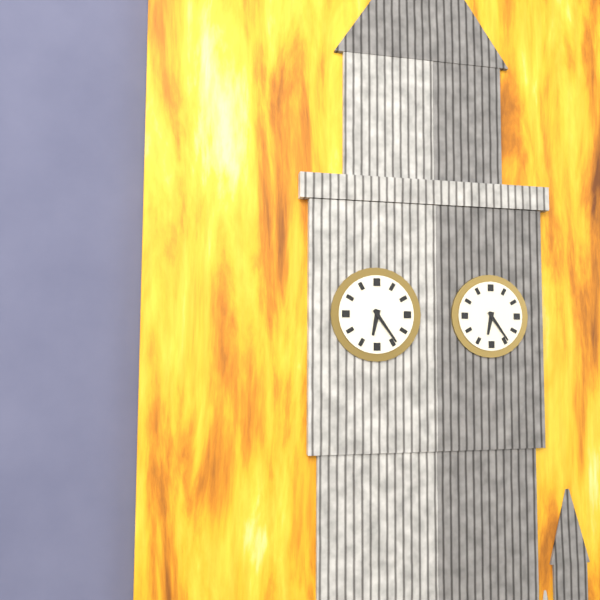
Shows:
{"hour": 6, "minute": 24}
